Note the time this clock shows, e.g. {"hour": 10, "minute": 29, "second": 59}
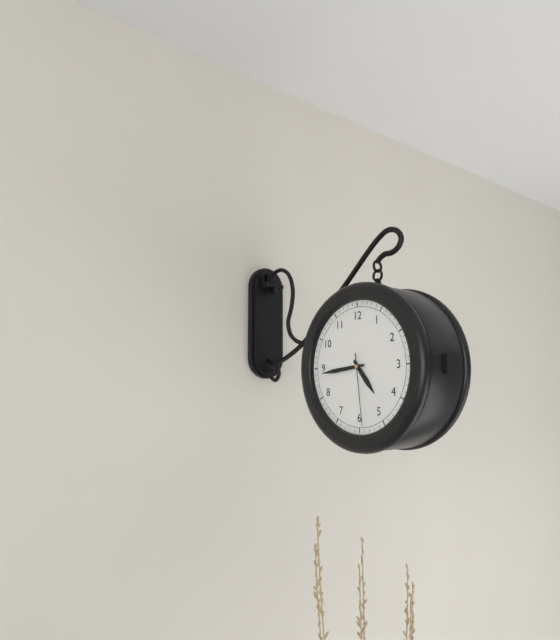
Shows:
{"hour": 4, "minute": 44, "second": 29}
